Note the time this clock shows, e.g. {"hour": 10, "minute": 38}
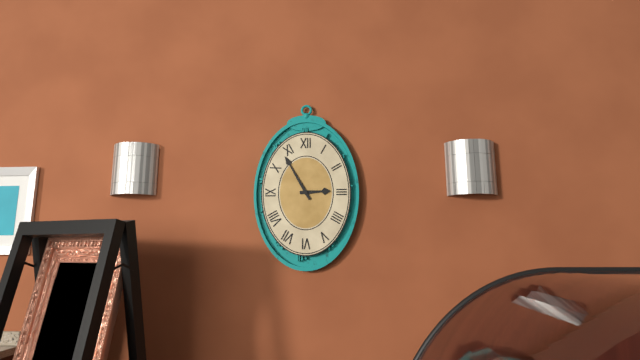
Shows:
{"hour": 2, "minute": 55}
